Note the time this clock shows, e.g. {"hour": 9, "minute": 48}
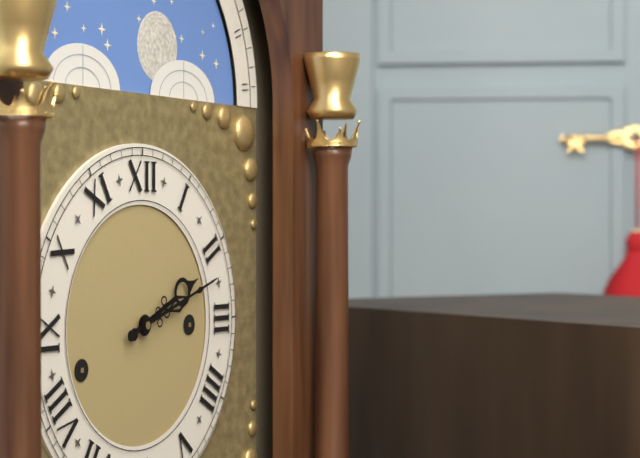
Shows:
{"hour": 2, "minute": 12}
